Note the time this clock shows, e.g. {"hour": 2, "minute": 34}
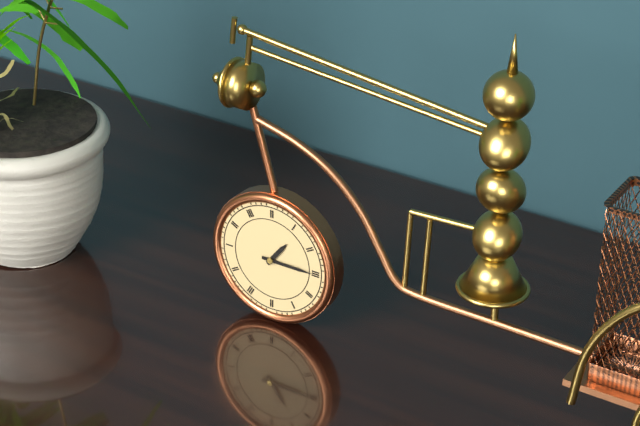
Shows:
{"hour": 1, "minute": 15}
